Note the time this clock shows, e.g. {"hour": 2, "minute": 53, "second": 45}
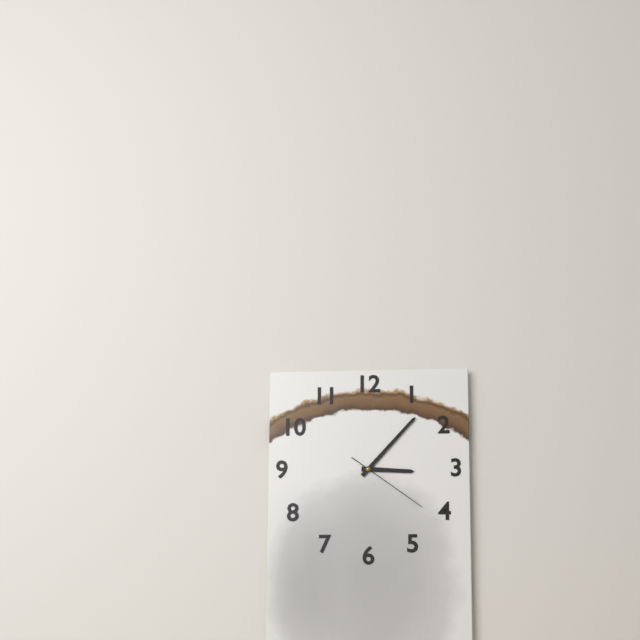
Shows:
{"hour": 3, "minute": 7, "second": 21}
